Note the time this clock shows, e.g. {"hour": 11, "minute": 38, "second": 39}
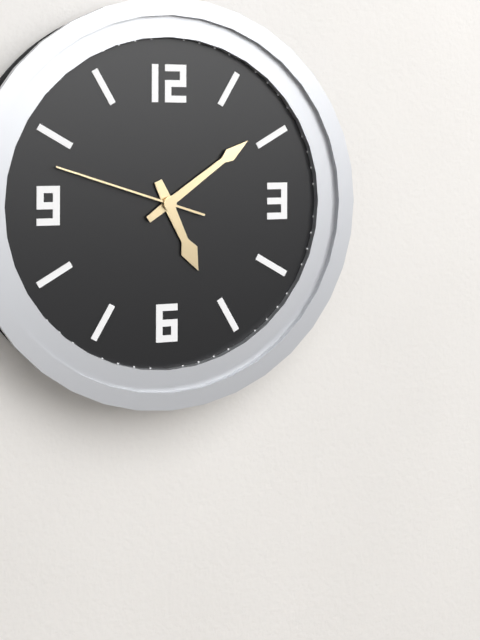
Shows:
{"hour": 5, "minute": 9, "second": 48}
